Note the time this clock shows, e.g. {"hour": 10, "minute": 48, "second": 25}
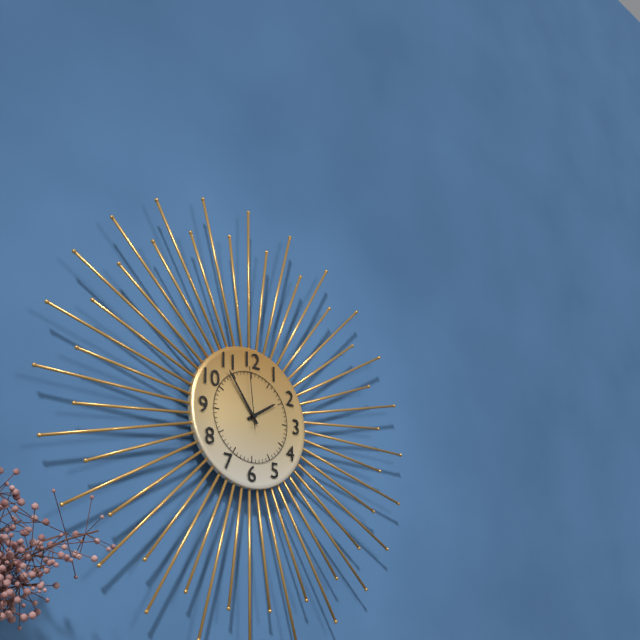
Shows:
{"hour": 1, "minute": 54, "second": 59}
